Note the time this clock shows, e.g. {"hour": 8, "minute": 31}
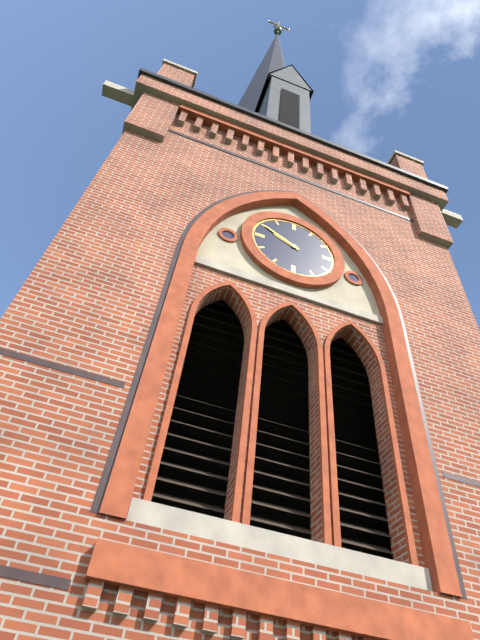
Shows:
{"hour": 9, "minute": 50}
